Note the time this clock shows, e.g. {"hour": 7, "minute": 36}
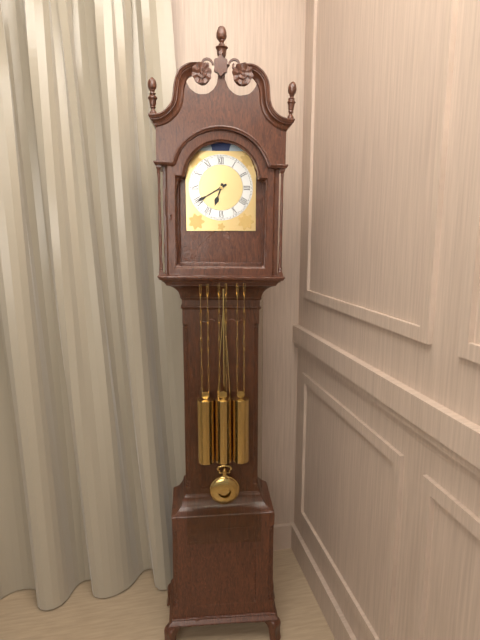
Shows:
{"hour": 6, "minute": 40}
